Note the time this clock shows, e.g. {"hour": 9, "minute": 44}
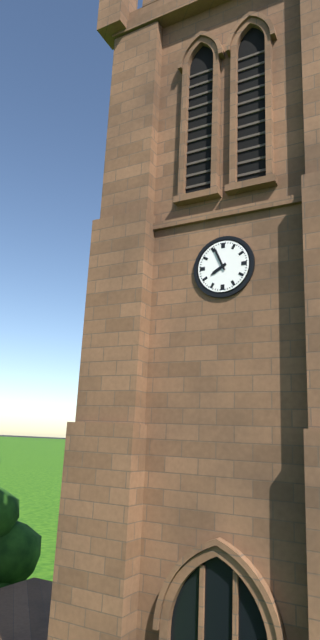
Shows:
{"hour": 7, "minute": 56}
